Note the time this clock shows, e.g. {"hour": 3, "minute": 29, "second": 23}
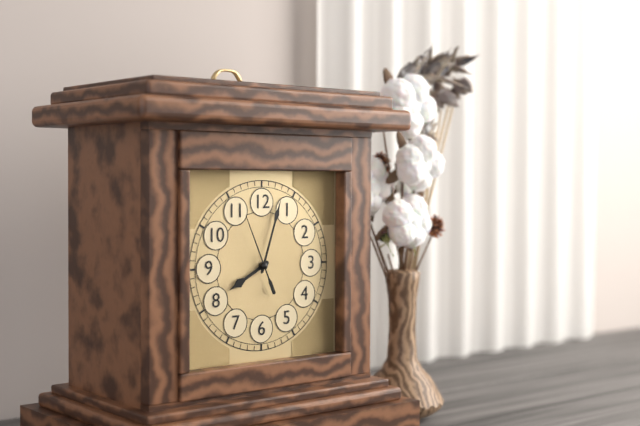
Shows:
{"hour": 8, "minute": 3, "second": 56}
